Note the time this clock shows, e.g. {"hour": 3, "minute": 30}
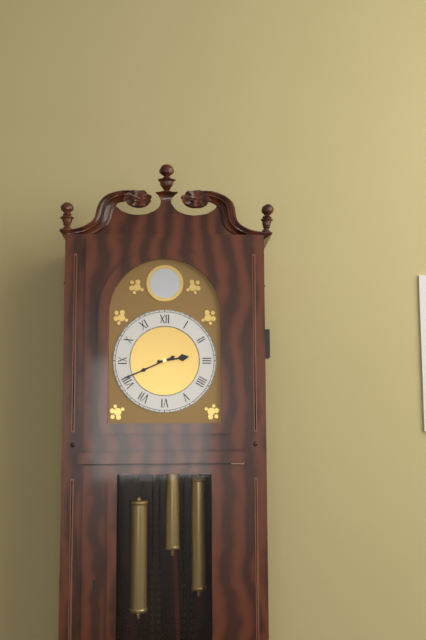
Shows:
{"hour": 2, "minute": 41}
